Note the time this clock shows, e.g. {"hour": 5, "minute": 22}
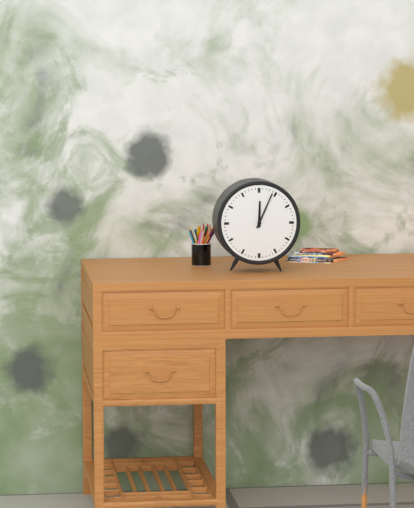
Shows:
{"hour": 12, "minute": 4}
